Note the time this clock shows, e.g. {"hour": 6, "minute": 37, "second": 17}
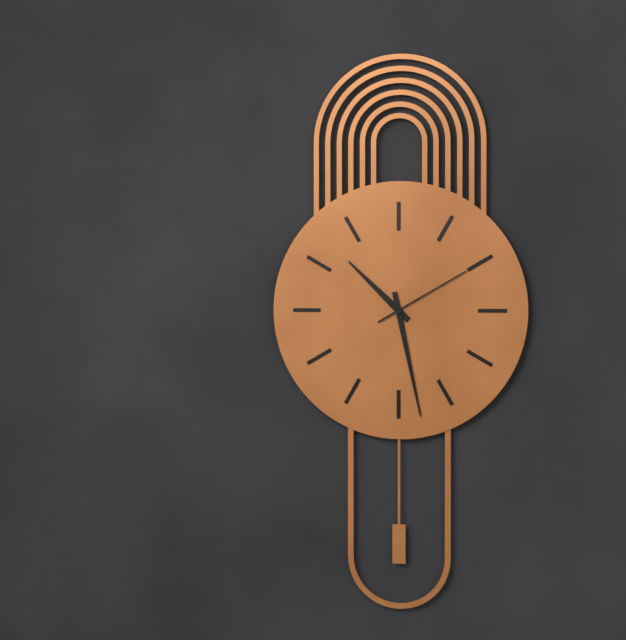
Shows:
{"hour": 10, "minute": 28, "second": 10}
